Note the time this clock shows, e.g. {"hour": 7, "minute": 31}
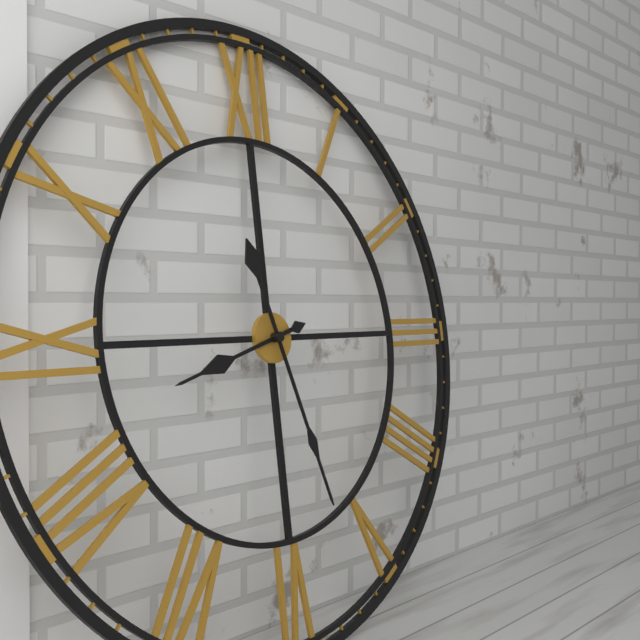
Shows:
{"hour": 8, "minute": 27}
